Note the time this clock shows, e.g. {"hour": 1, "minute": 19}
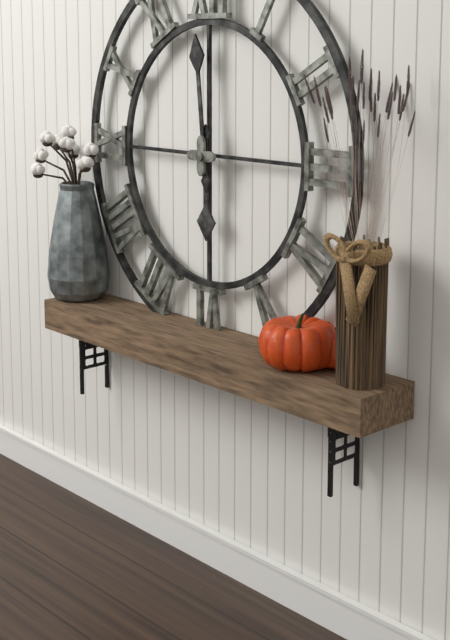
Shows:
{"hour": 5, "minute": 59}
